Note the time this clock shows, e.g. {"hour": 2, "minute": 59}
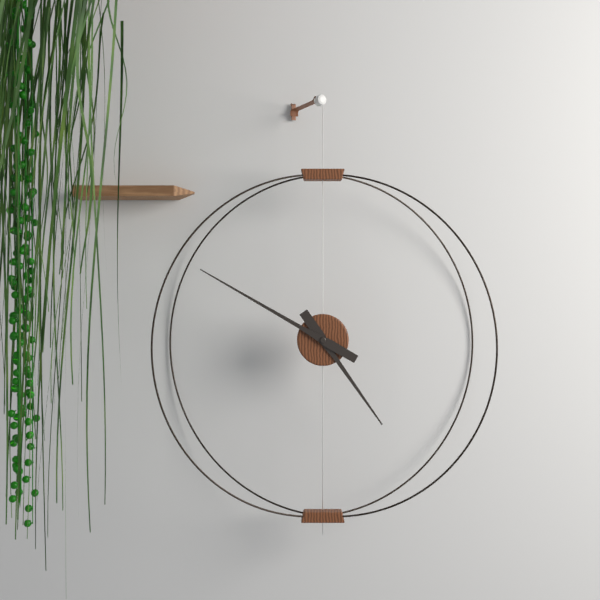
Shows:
{"hour": 4, "minute": 50}
